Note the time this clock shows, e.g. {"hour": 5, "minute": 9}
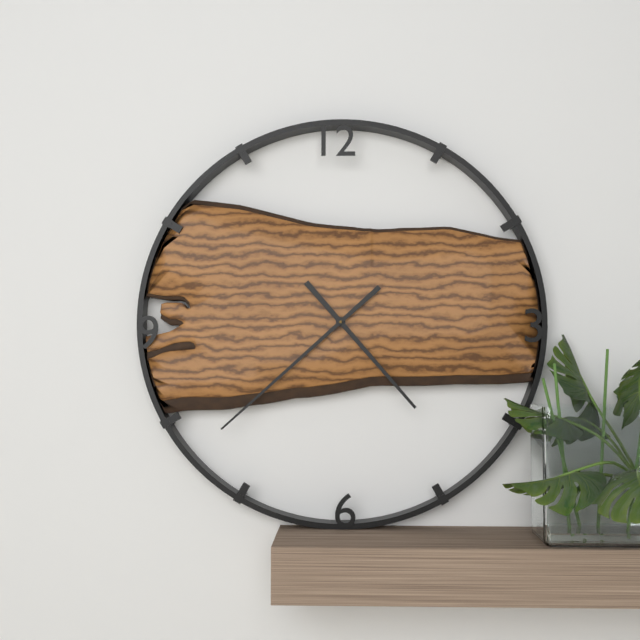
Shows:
{"hour": 4, "minute": 38}
